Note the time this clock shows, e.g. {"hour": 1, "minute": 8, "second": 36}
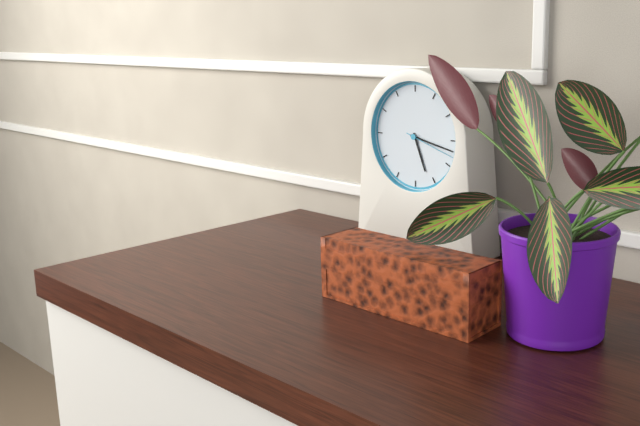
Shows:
{"hour": 5, "minute": 17, "second": 18}
